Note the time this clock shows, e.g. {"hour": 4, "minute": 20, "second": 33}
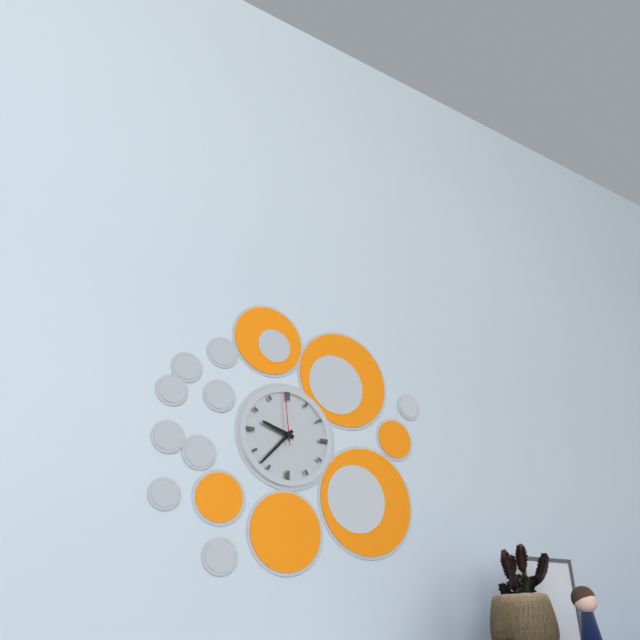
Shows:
{"hour": 9, "minute": 37, "second": 59}
